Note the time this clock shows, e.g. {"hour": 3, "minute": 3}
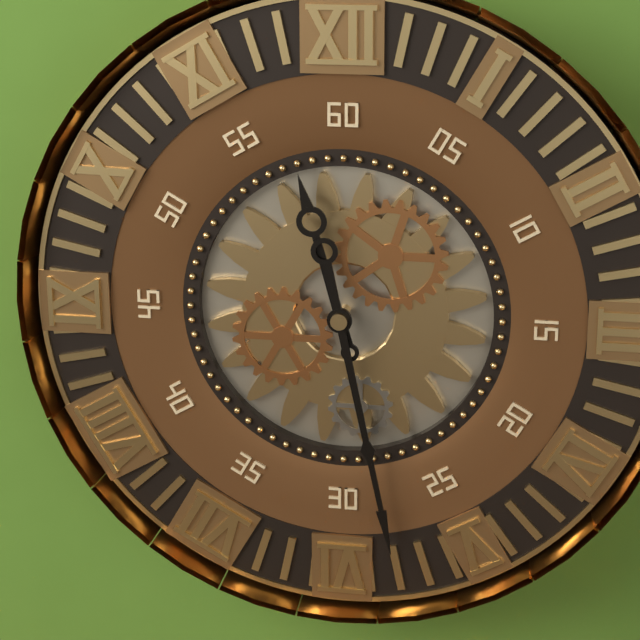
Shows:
{"hour": 11, "minute": 28}
